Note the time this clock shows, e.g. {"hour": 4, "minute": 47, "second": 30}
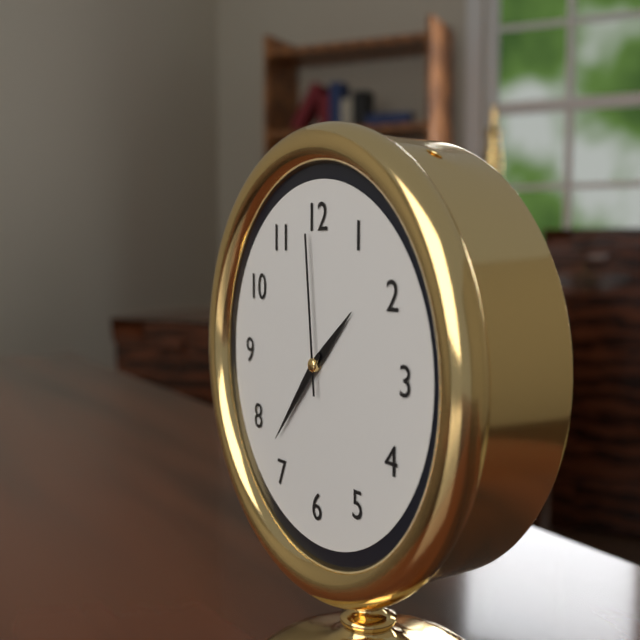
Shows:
{"hour": 1, "minute": 37, "second": 59}
